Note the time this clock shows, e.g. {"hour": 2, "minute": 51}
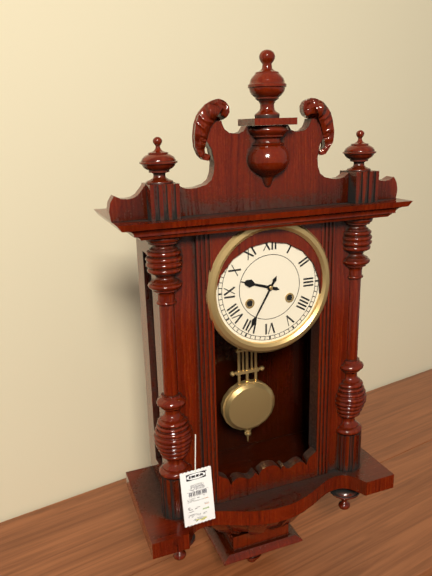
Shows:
{"hour": 9, "minute": 35}
